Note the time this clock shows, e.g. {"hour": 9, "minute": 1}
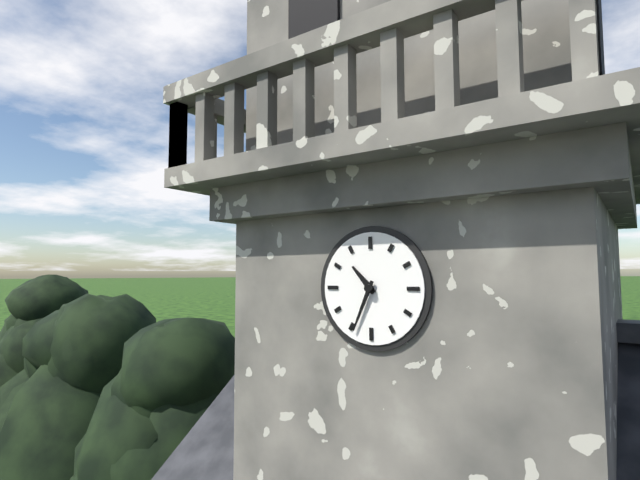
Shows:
{"hour": 10, "minute": 34}
